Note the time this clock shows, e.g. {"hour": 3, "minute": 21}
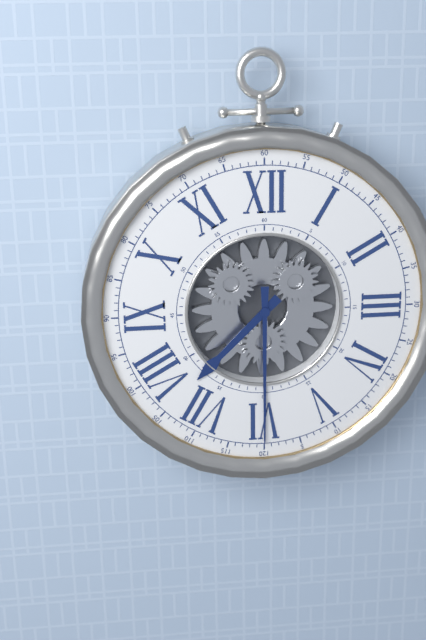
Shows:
{"hour": 7, "minute": 30}
